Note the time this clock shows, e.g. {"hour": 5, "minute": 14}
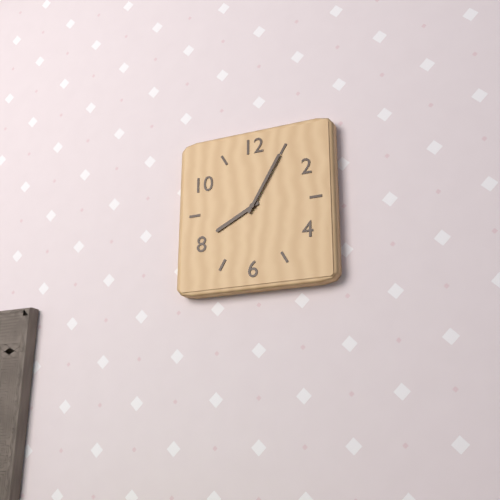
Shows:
{"hour": 8, "minute": 5}
